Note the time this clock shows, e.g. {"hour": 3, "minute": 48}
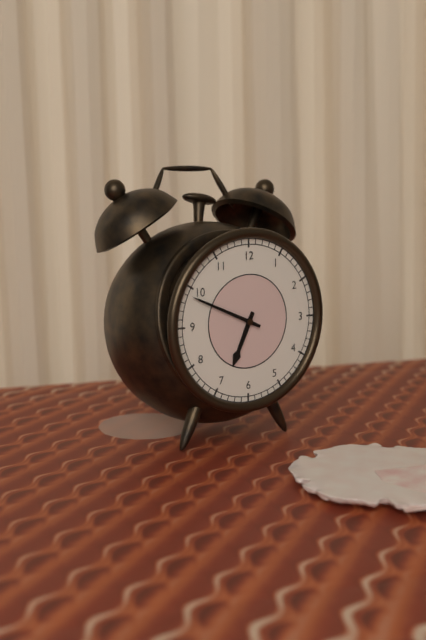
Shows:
{"hour": 6, "minute": 49}
